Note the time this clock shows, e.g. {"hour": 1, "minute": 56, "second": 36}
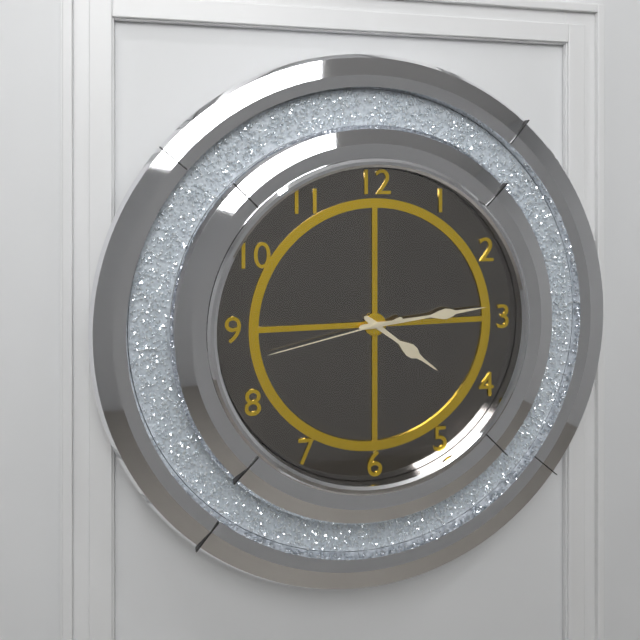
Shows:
{"hour": 4, "minute": 14, "second": 43}
